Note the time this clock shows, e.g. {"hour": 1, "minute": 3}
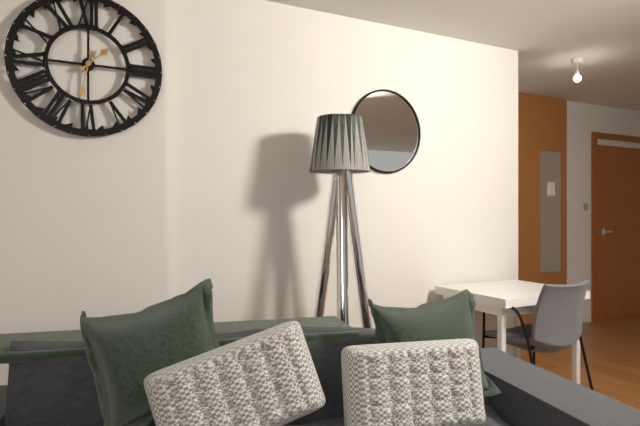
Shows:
{"hour": 1, "minute": 32}
